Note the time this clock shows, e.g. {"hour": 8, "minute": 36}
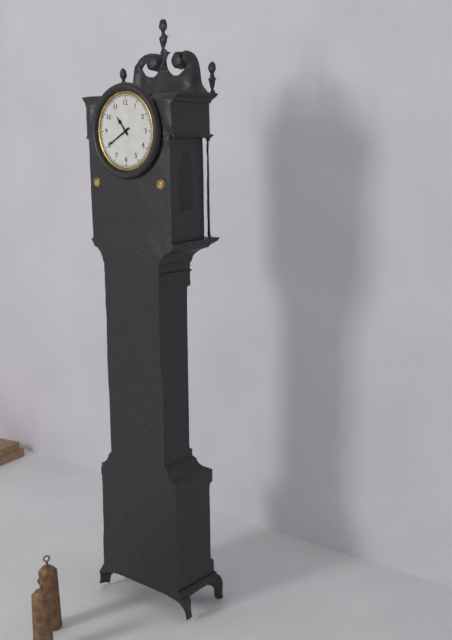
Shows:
{"hour": 10, "minute": 40}
